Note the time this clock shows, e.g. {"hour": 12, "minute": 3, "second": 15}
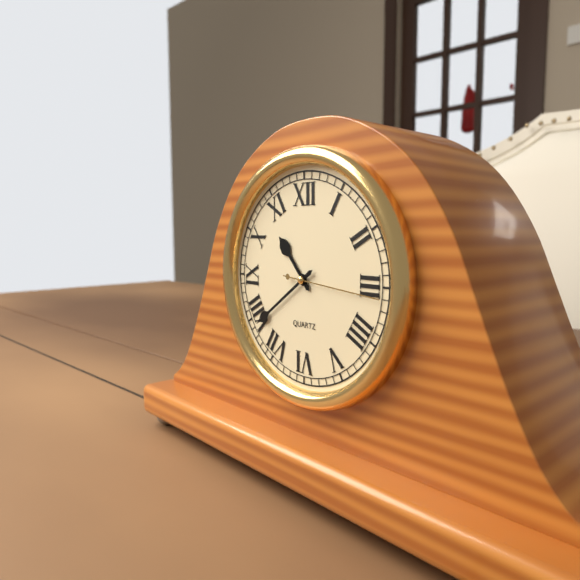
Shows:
{"hour": 10, "minute": 39, "second": 16}
